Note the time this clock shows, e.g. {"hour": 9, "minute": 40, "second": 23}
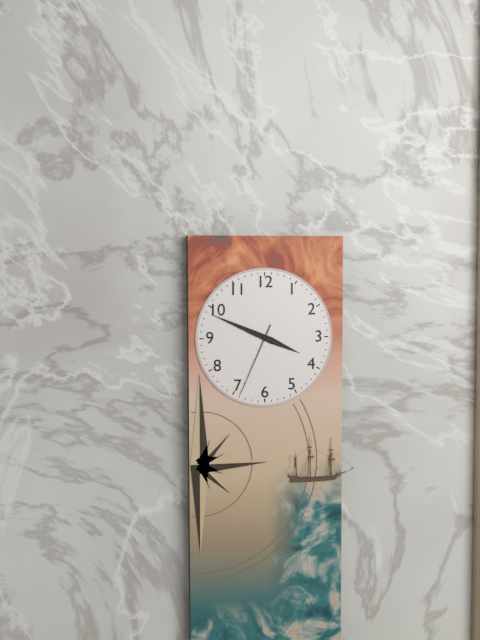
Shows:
{"hour": 3, "minute": 49, "second": 34}
